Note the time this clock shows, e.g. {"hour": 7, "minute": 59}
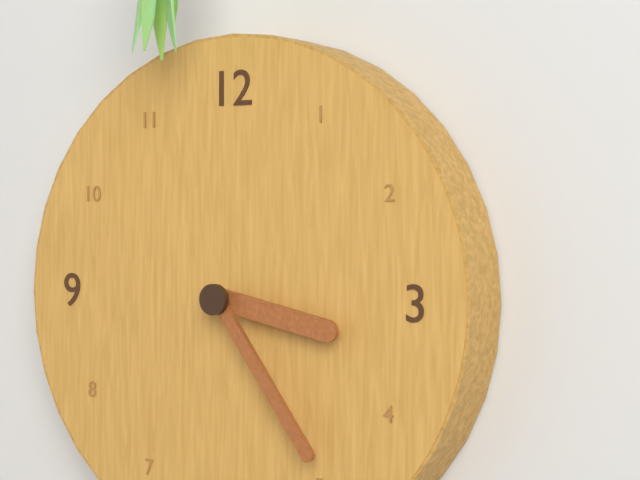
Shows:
{"hour": 3, "minute": 24}
